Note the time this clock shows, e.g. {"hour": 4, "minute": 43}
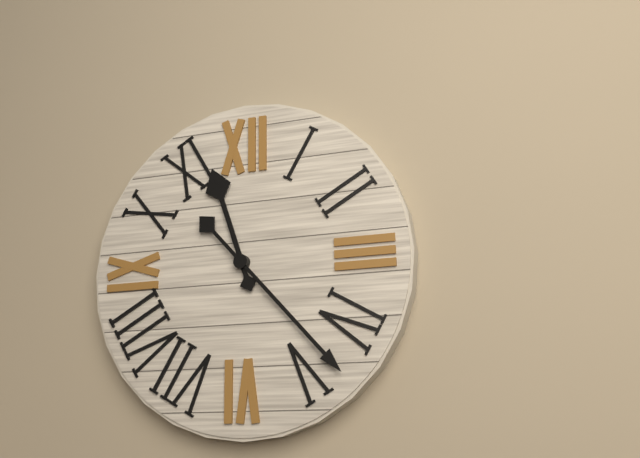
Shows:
{"hour": 11, "minute": 23}
